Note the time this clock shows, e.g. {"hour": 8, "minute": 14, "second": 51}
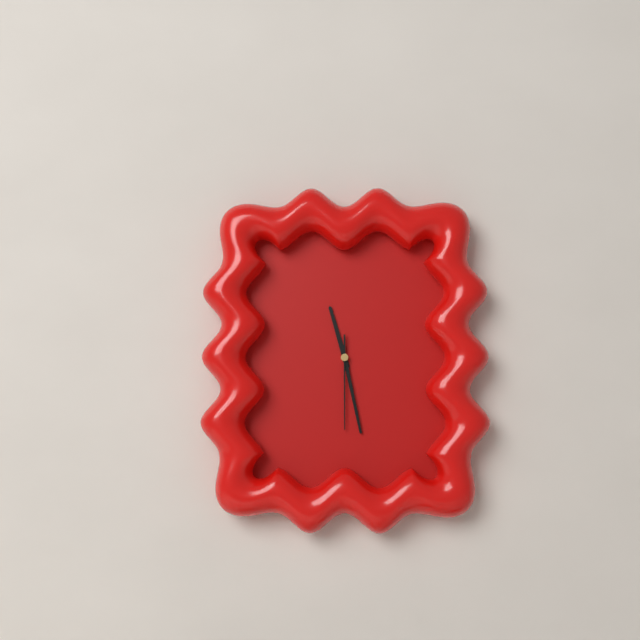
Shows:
{"hour": 11, "minute": 28, "second": 30}
